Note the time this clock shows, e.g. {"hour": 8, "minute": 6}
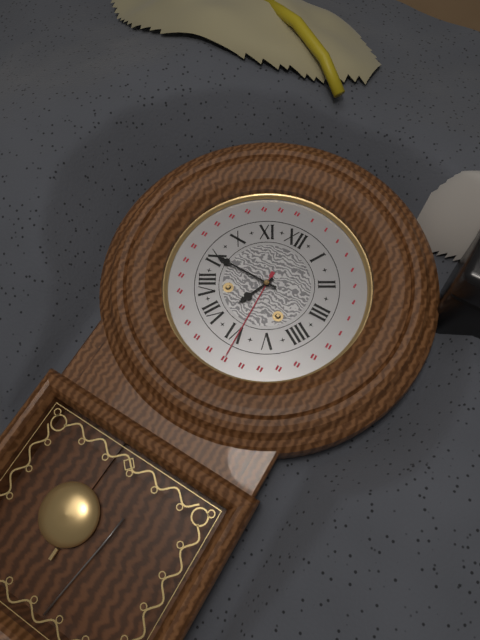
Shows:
{"hour": 6, "minute": 45}
